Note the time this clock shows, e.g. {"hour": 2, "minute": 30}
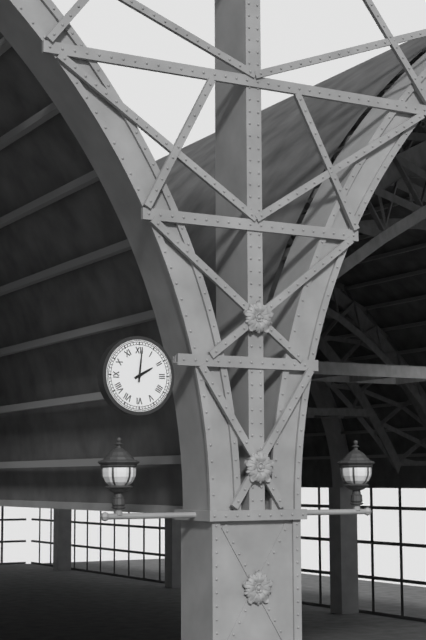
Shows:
{"hour": 2, "minute": 1}
